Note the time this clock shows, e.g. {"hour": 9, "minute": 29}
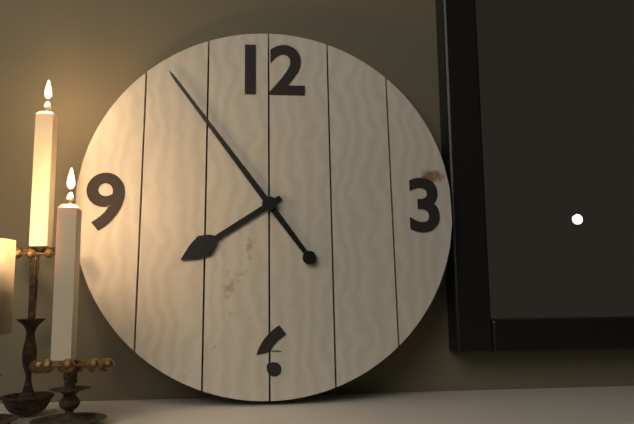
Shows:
{"hour": 7, "minute": 54}
